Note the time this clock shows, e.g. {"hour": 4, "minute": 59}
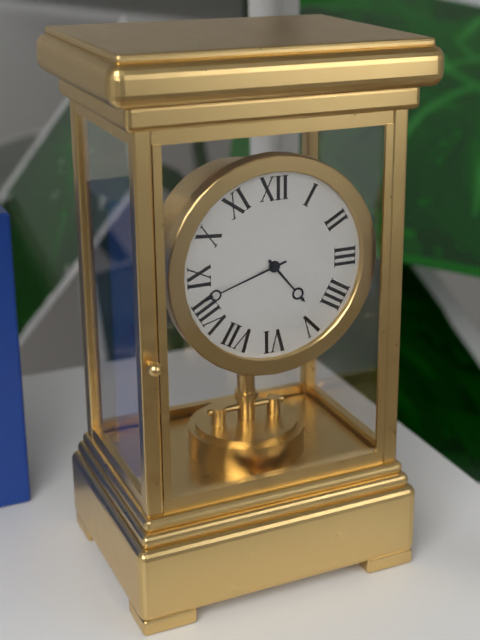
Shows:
{"hour": 4, "minute": 42}
